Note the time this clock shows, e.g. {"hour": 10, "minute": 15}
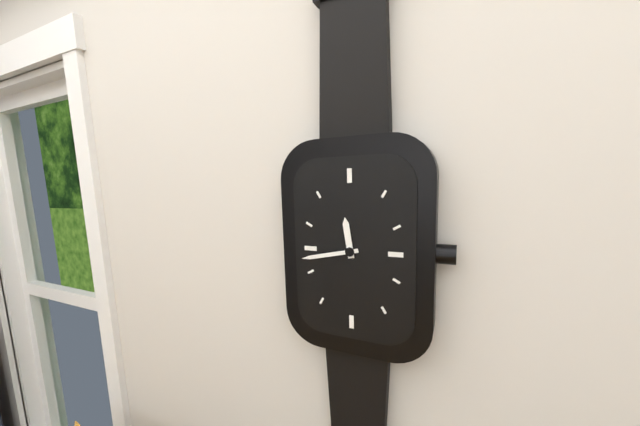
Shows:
{"hour": 11, "minute": 43}
